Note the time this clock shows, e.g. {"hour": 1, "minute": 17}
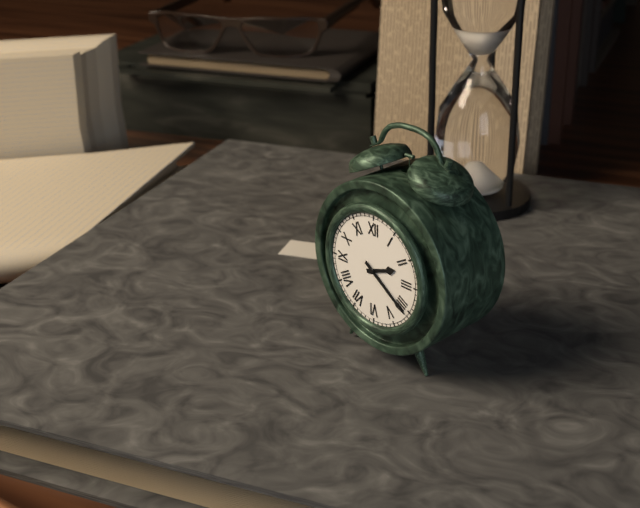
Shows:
{"hour": 2, "minute": 21}
